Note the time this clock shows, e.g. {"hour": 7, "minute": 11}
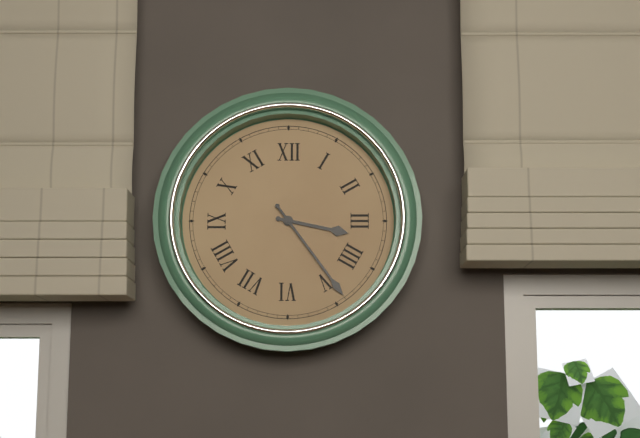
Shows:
{"hour": 3, "minute": 24}
